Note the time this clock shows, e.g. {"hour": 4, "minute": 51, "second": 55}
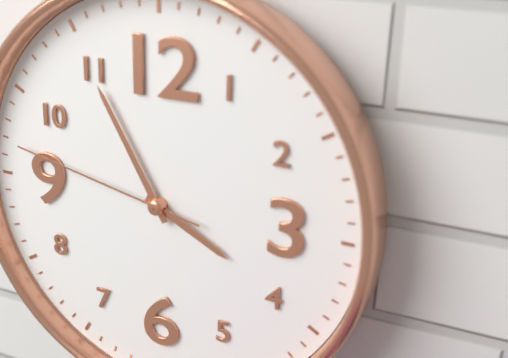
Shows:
{"hour": 3, "minute": 55, "second": 47}
